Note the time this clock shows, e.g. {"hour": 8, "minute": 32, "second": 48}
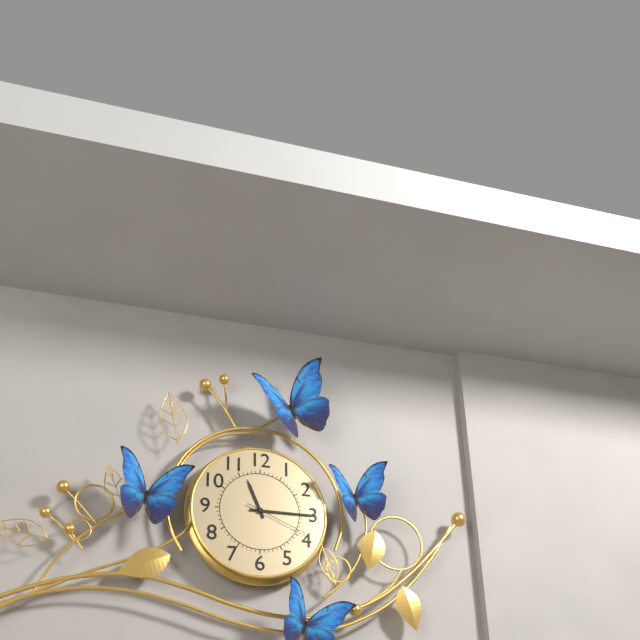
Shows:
{"hour": 11, "minute": 15, "second": 19}
